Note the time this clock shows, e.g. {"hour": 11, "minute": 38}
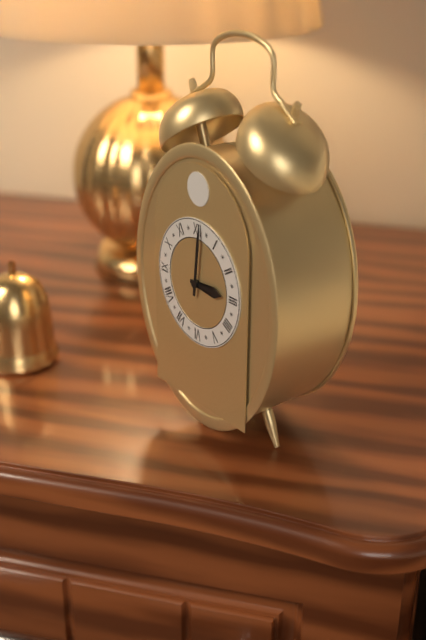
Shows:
{"hour": 3, "minute": 1}
